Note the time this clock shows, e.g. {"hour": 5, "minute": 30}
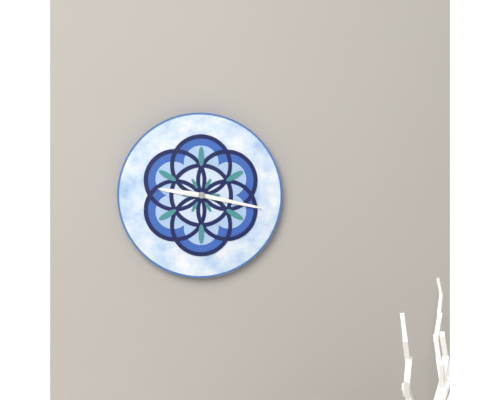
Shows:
{"hour": 9, "minute": 17}
